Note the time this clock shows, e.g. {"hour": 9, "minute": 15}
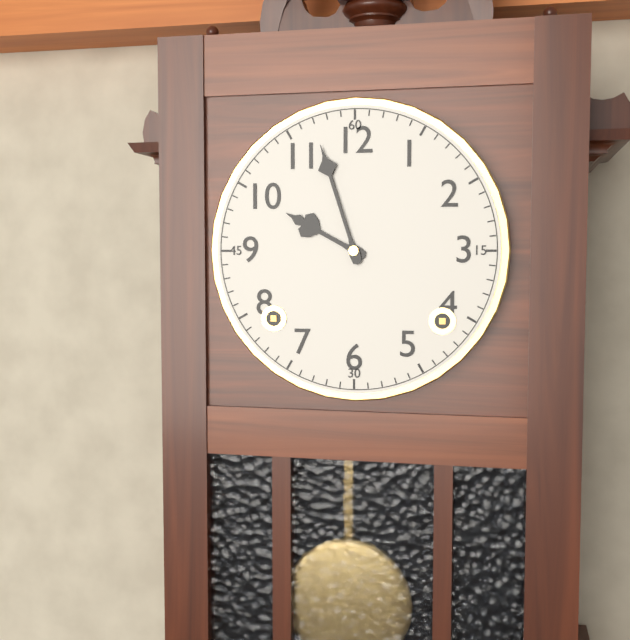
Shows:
{"hour": 9, "minute": 57}
